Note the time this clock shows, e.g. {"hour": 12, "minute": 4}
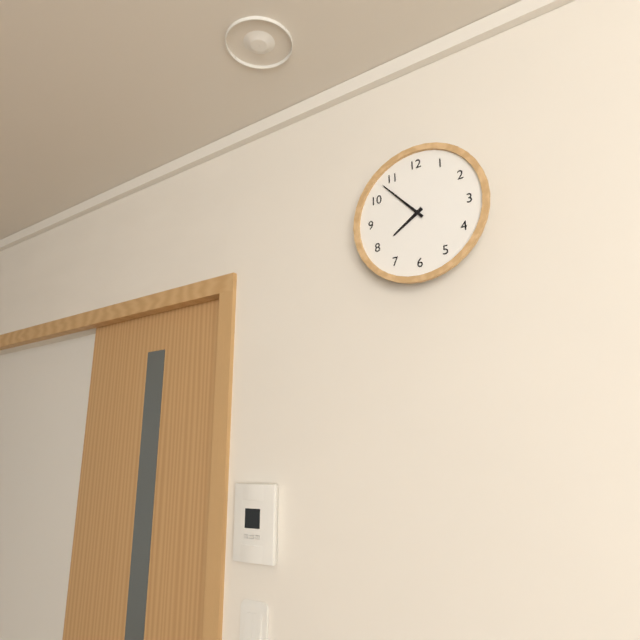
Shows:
{"hour": 7, "minute": 53}
